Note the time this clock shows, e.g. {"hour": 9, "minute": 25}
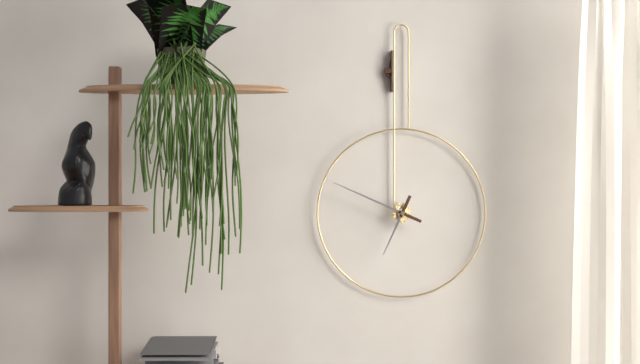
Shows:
{"hour": 6, "minute": 49}
